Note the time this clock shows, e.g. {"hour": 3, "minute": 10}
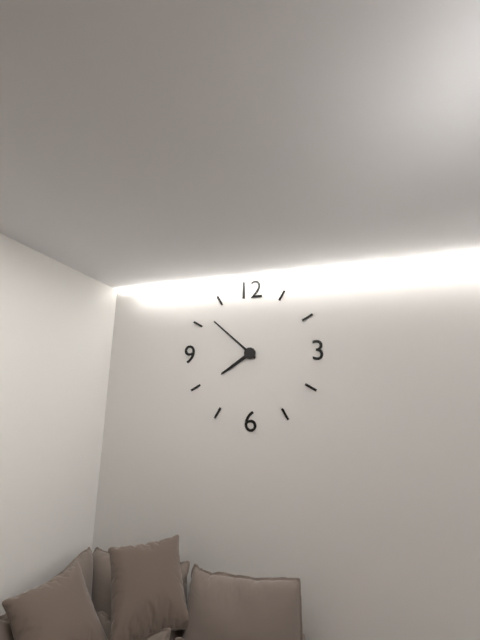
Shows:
{"hour": 7, "minute": 52}
